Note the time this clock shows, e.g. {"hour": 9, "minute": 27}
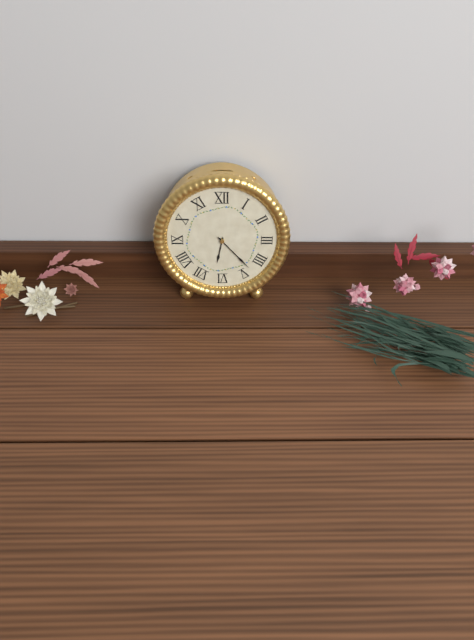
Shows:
{"hour": 6, "minute": 23}
